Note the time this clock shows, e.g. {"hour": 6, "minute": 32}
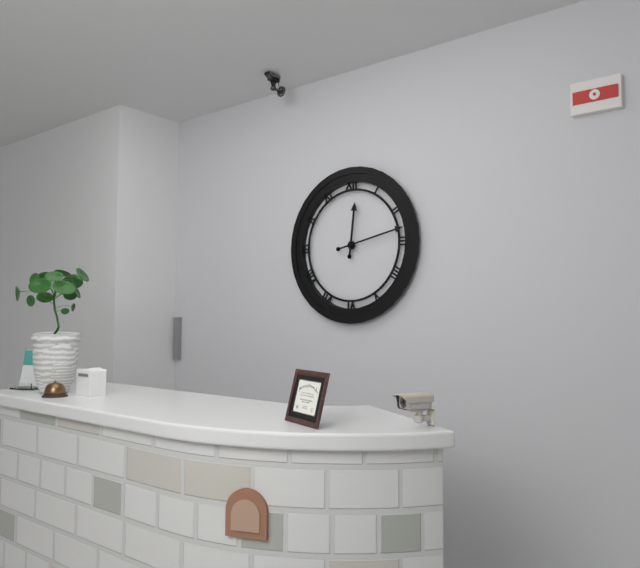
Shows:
{"hour": 12, "minute": 13}
